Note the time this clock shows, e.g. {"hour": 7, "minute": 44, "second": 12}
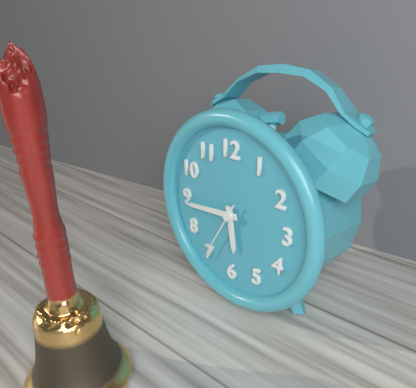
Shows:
{"hour": 5, "minute": 44, "second": 35}
